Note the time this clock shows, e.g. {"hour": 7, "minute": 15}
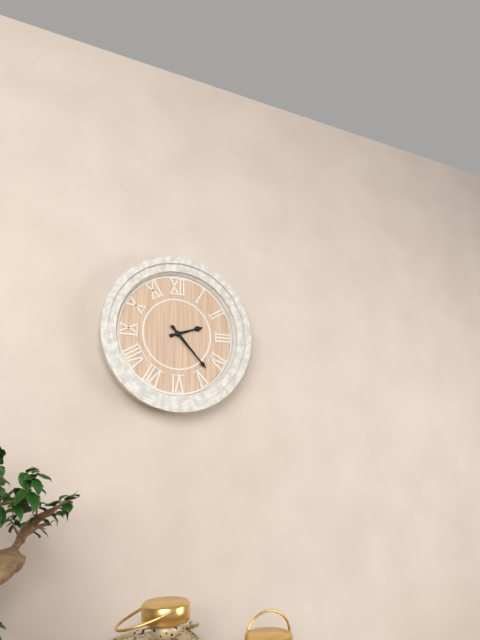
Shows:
{"hour": 2, "minute": 23}
